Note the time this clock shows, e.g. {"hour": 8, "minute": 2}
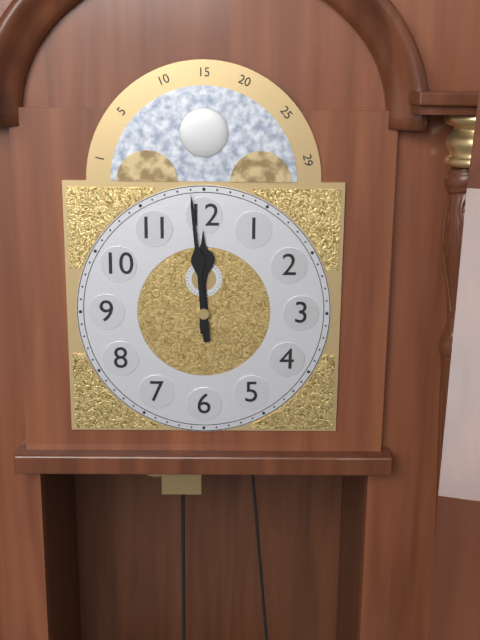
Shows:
{"hour": 11, "minute": 59}
